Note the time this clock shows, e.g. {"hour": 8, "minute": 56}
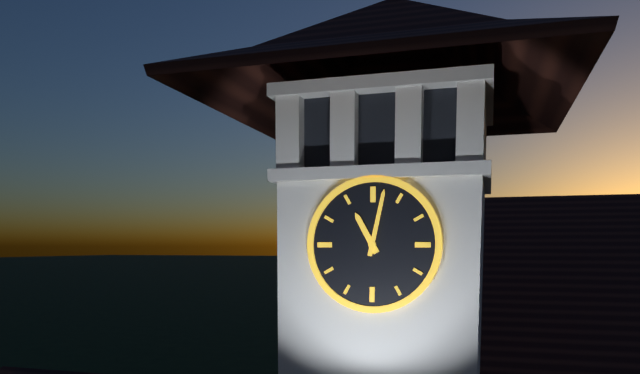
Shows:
{"hour": 11, "minute": 2}
